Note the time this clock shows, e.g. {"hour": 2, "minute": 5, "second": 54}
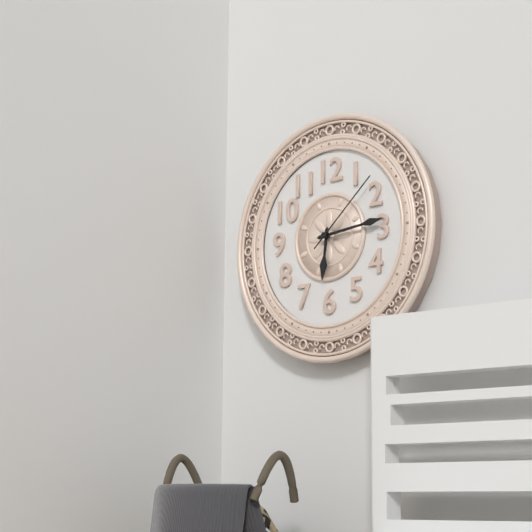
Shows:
{"hour": 6, "minute": 14, "second": 8}
